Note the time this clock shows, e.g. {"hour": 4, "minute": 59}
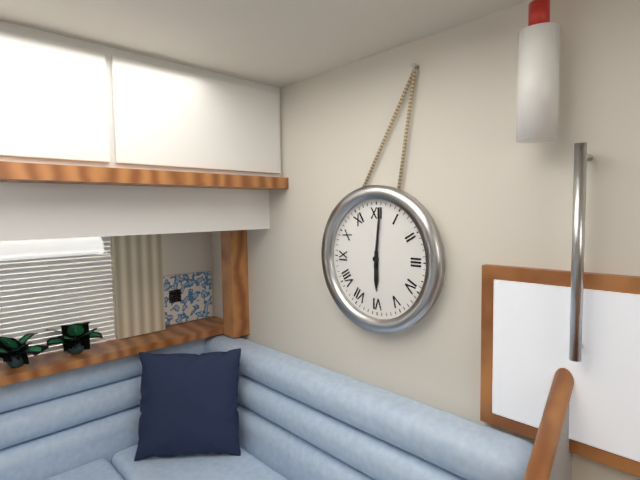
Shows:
{"hour": 6, "minute": 1}
